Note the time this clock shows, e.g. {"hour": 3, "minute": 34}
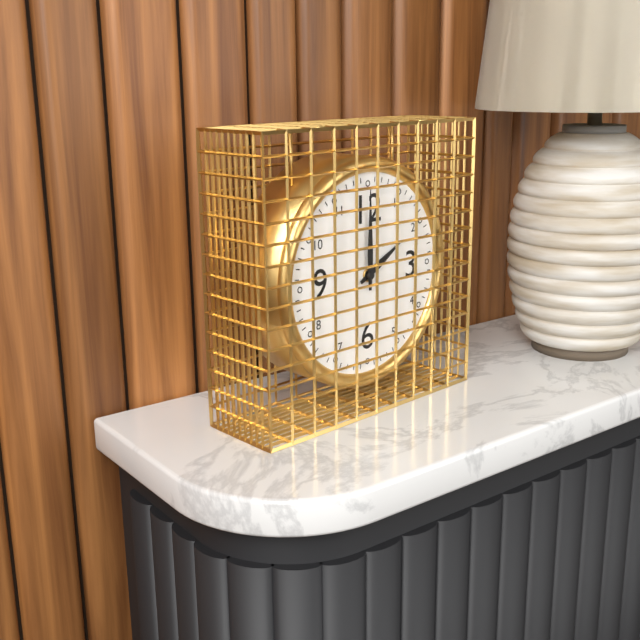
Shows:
{"hour": 2, "minute": 0}
